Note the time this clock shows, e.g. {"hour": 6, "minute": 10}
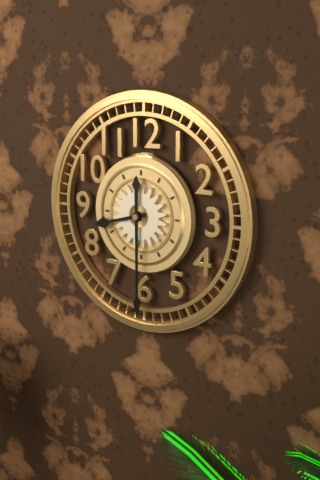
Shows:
{"hour": 8, "minute": 30}
